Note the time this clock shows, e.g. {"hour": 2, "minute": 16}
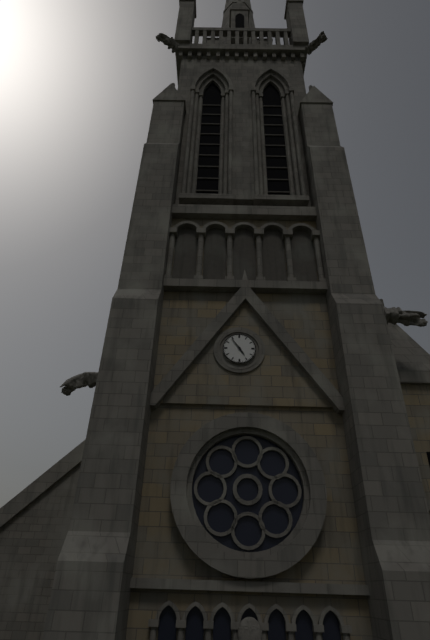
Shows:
{"hour": 4, "minute": 54}
